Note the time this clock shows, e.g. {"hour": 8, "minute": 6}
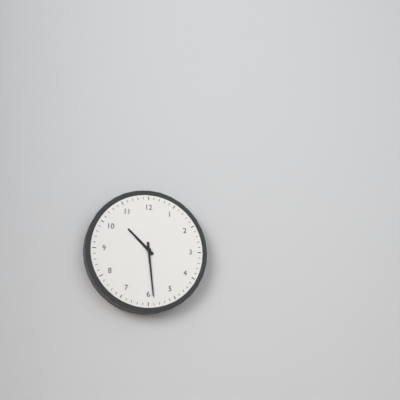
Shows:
{"hour": 10, "minute": 29}
